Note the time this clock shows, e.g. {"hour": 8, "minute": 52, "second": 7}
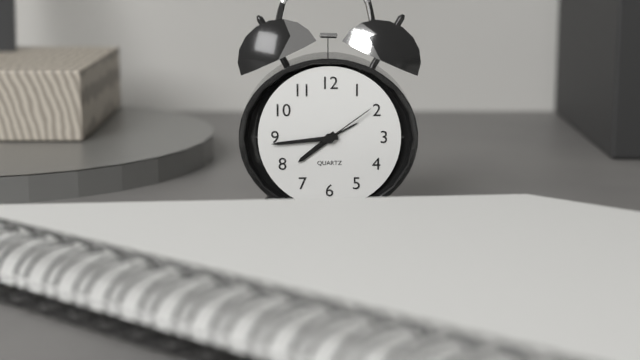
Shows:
{"hour": 7, "minute": 44, "second": 9}
